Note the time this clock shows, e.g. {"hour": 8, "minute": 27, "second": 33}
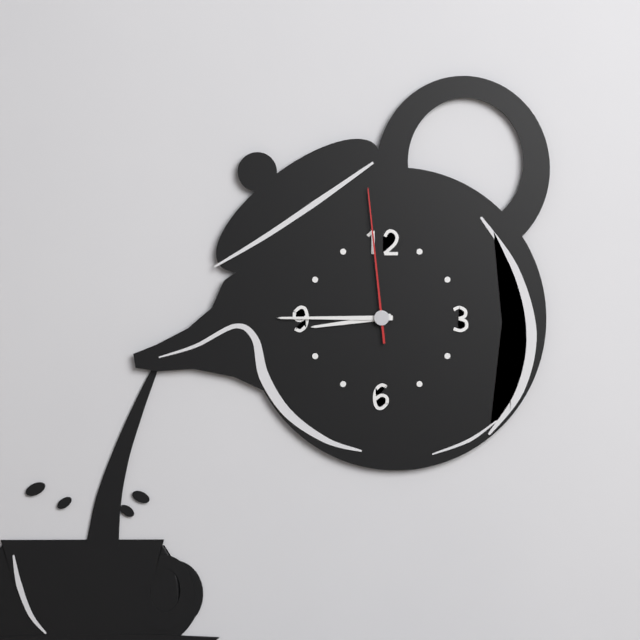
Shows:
{"hour": 8, "minute": 45, "second": 59}
